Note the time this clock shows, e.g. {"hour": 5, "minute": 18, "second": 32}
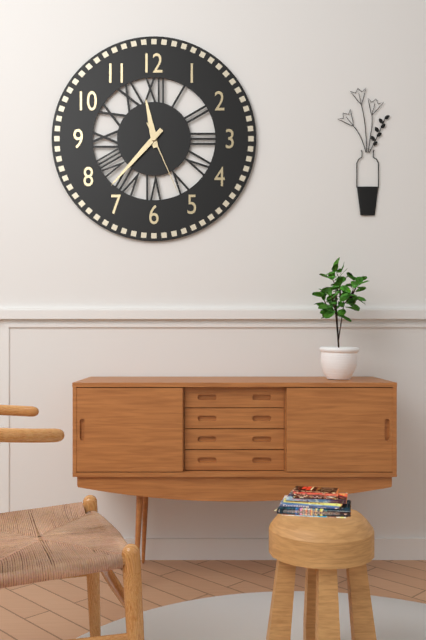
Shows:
{"hour": 11, "minute": 37, "second": 26}
